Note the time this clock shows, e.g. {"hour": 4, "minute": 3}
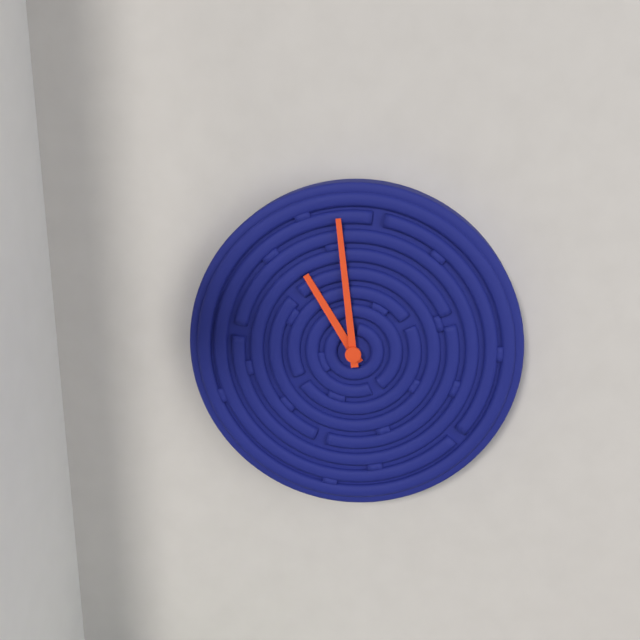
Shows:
{"hour": 10, "minute": 59}
